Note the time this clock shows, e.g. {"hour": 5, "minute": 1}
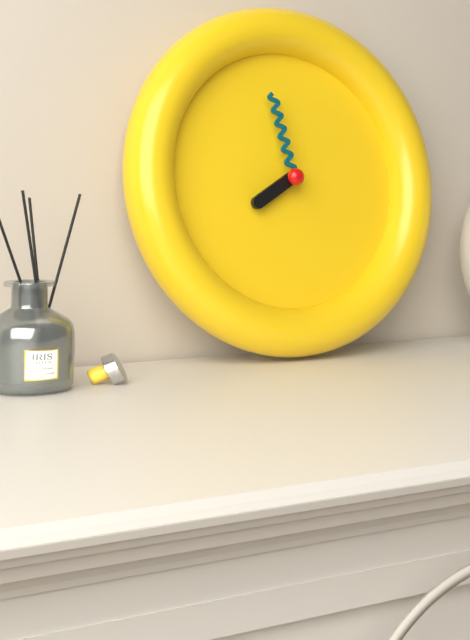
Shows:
{"hour": 7, "minute": 58}
